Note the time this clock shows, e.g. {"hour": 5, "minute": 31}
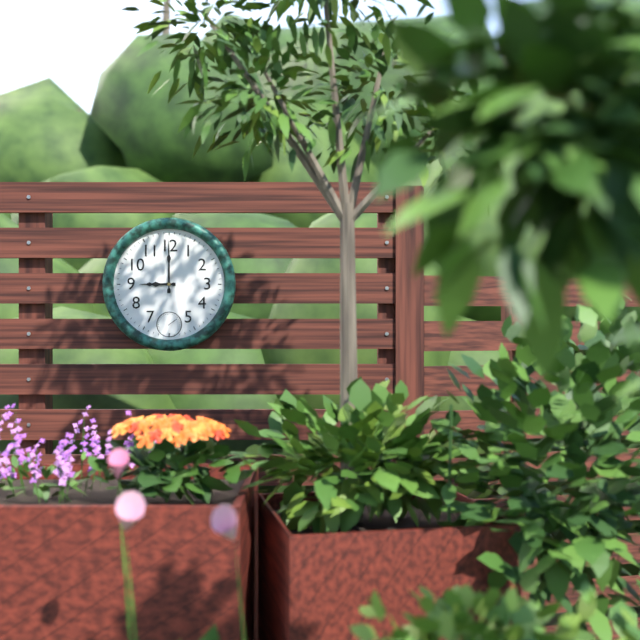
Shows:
{"hour": 9, "minute": 0}
